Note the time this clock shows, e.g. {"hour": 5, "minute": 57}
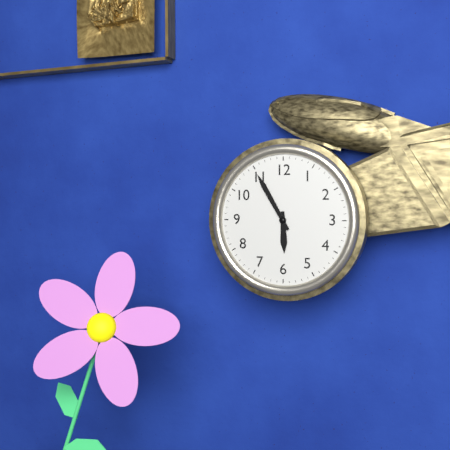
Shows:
{"hour": 5, "minute": 55}
